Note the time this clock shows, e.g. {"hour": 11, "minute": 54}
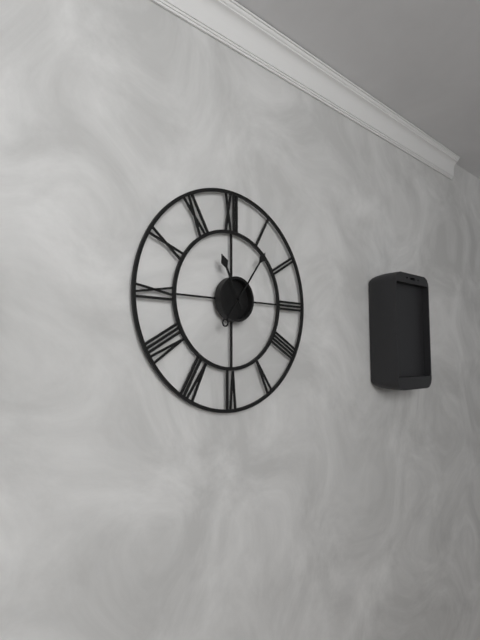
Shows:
{"hour": 11, "minute": 6}
